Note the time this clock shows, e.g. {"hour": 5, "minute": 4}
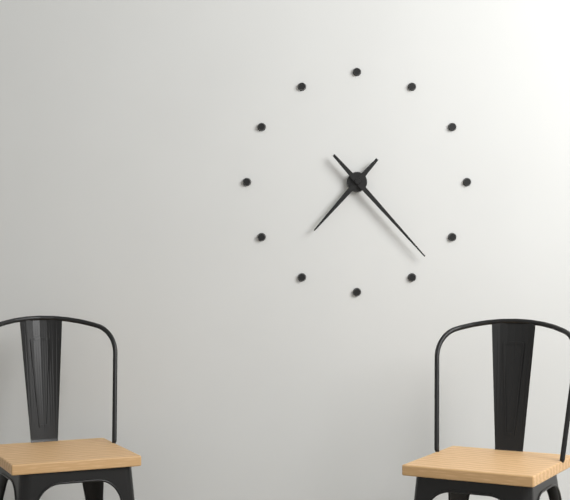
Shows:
{"hour": 7, "minute": 23}
